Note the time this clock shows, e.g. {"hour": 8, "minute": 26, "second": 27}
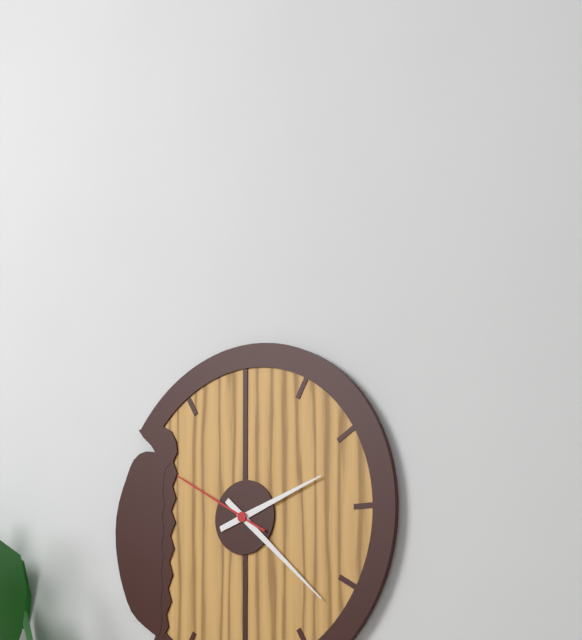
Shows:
{"hour": 2, "minute": 22, "second": 50}
